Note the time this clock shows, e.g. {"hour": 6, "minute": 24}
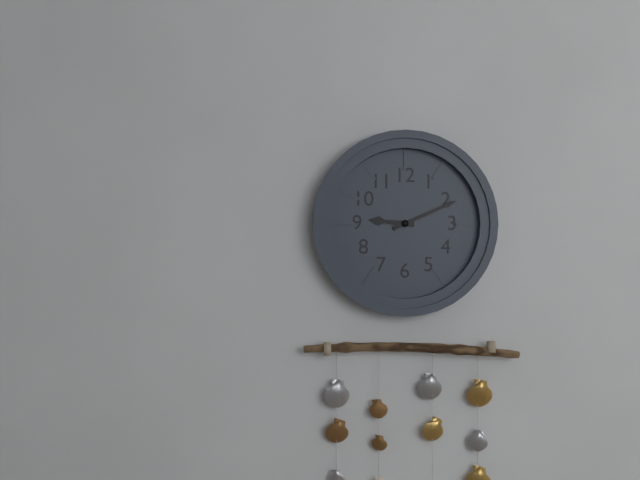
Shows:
{"hour": 9, "minute": 11}
